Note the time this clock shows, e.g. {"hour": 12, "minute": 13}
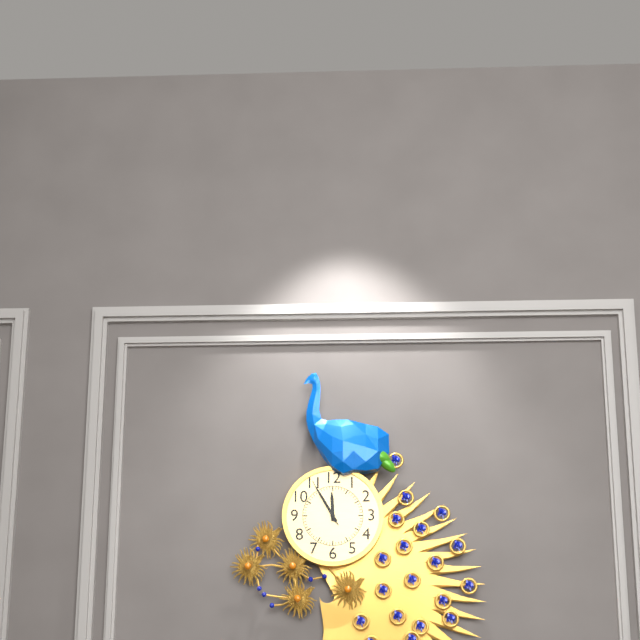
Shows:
{"hour": 11, "minute": 55}
